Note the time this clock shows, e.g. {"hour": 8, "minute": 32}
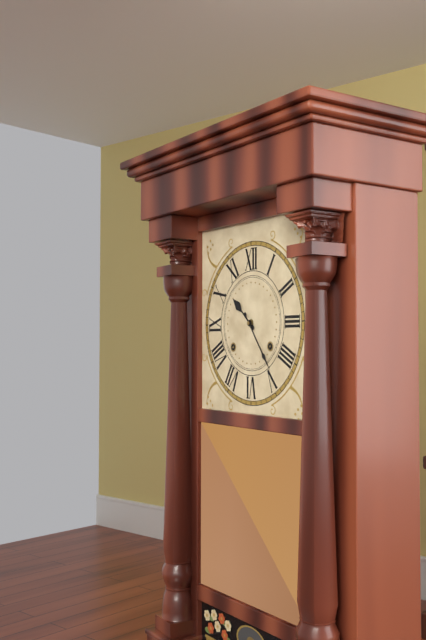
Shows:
{"hour": 10, "minute": 24}
